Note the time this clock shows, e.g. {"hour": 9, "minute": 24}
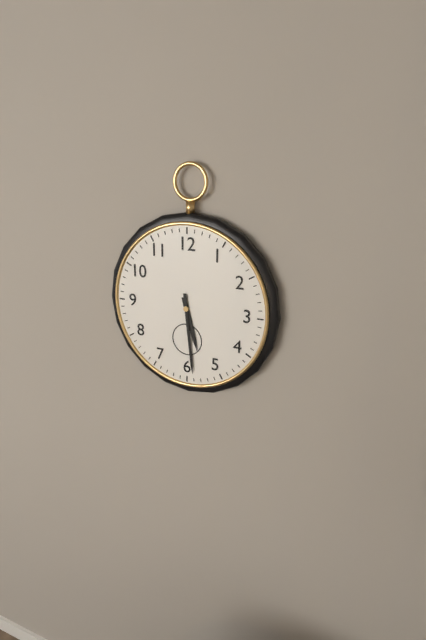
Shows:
{"hour": 5, "minute": 29}
